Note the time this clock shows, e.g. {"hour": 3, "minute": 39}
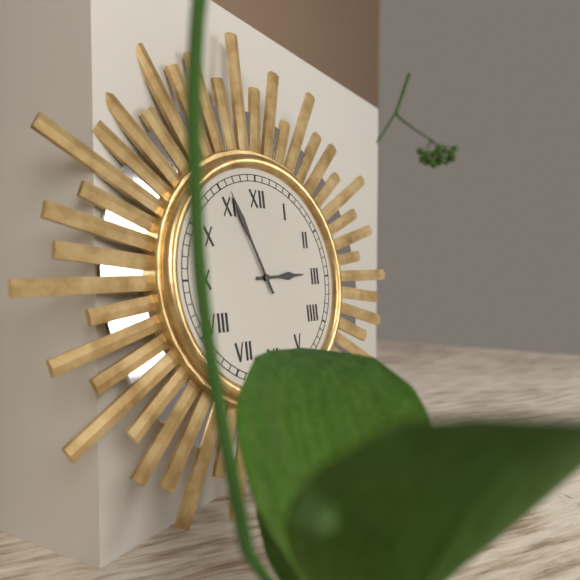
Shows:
{"hour": 2, "minute": 56}
